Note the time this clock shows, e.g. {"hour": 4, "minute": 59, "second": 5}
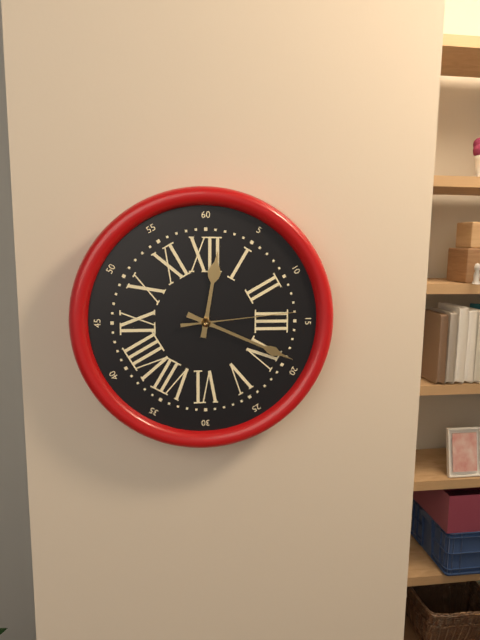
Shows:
{"hour": 12, "minute": 19, "second": 14}
